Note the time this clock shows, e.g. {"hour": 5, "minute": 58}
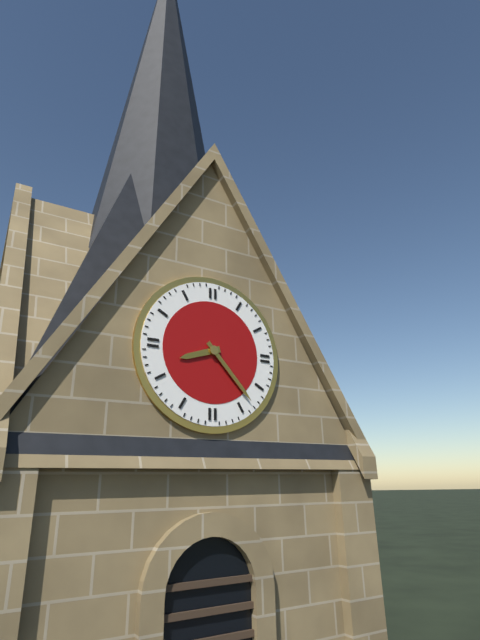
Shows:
{"hour": 8, "minute": 23}
